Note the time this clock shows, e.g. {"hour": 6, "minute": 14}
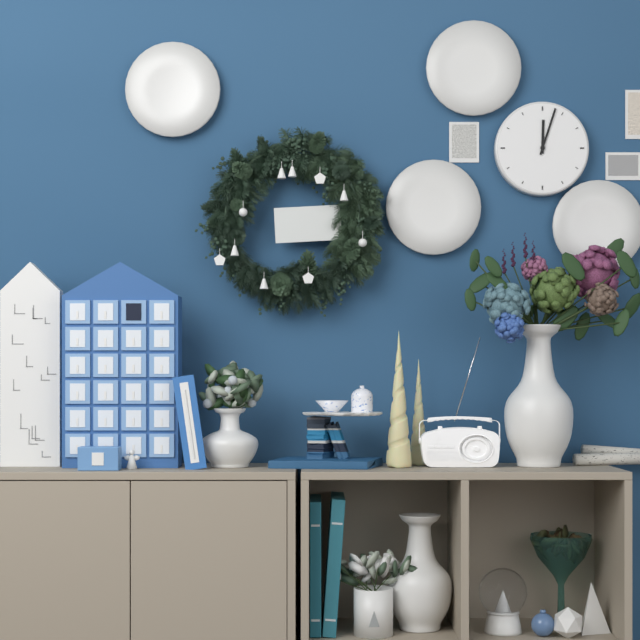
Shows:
{"hour": 12, "minute": 3}
